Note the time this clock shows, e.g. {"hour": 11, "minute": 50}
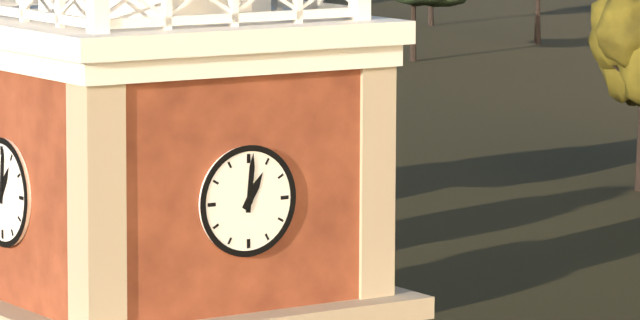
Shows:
{"hour": 1, "minute": 1}
